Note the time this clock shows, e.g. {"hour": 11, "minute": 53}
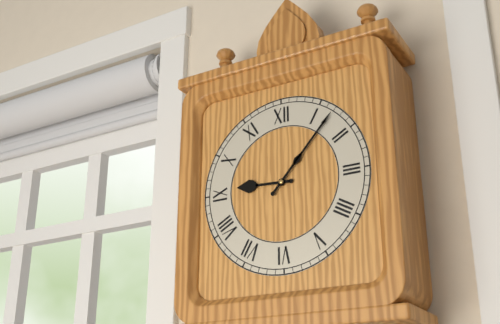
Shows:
{"hour": 9, "minute": 7}
